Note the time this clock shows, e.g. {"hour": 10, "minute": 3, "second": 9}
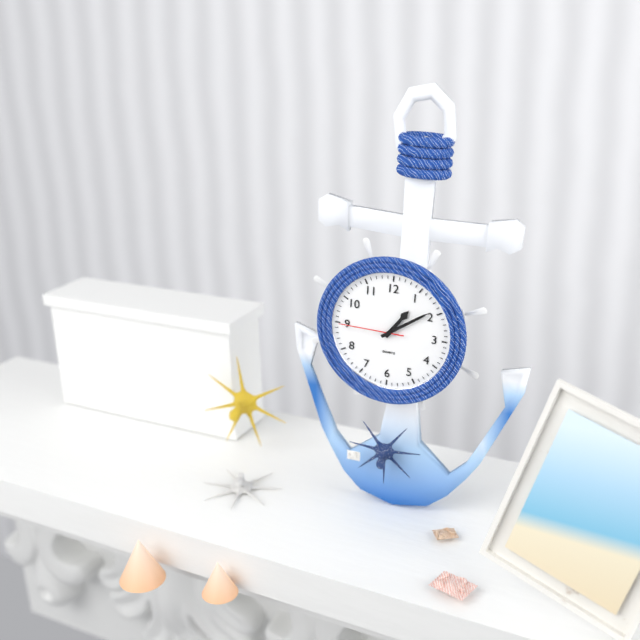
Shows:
{"hour": 1, "minute": 9, "second": 45}
